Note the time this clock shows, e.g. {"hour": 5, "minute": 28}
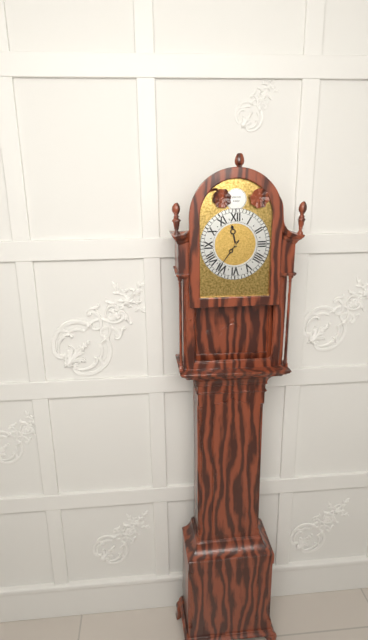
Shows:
{"hour": 11, "minute": 36}
